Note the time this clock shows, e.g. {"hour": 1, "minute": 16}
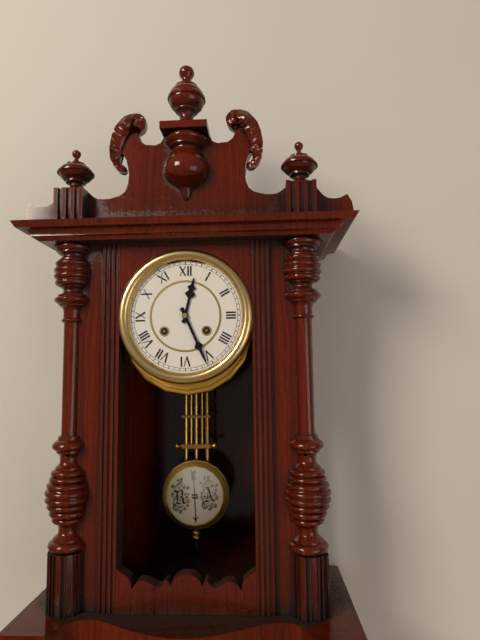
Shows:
{"hour": 12, "minute": 26}
